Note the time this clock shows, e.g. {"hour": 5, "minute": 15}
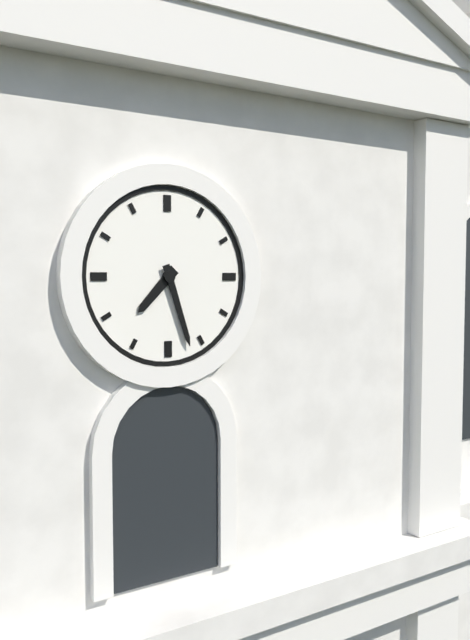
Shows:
{"hour": 7, "minute": 27}
